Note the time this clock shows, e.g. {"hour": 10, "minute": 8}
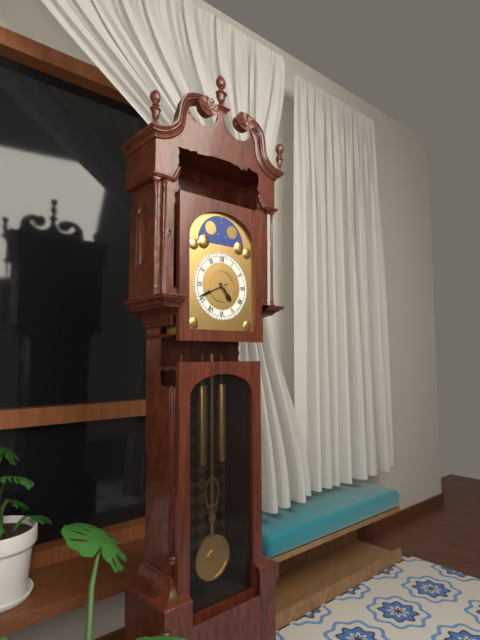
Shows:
{"hour": 4, "minute": 41}
